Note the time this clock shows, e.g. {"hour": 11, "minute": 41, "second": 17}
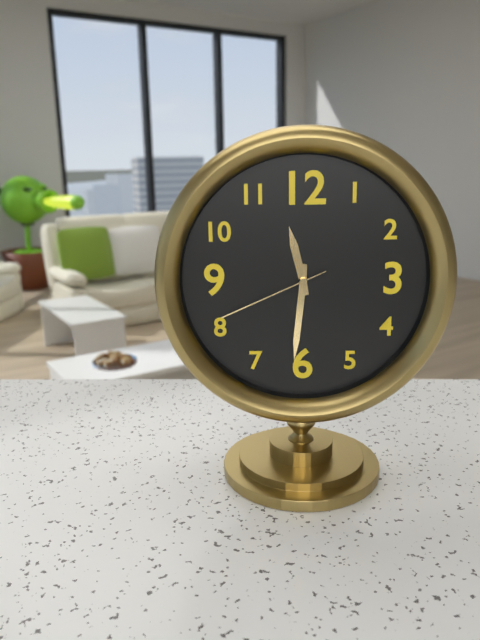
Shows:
{"hour": 11, "minute": 31, "second": 41}
